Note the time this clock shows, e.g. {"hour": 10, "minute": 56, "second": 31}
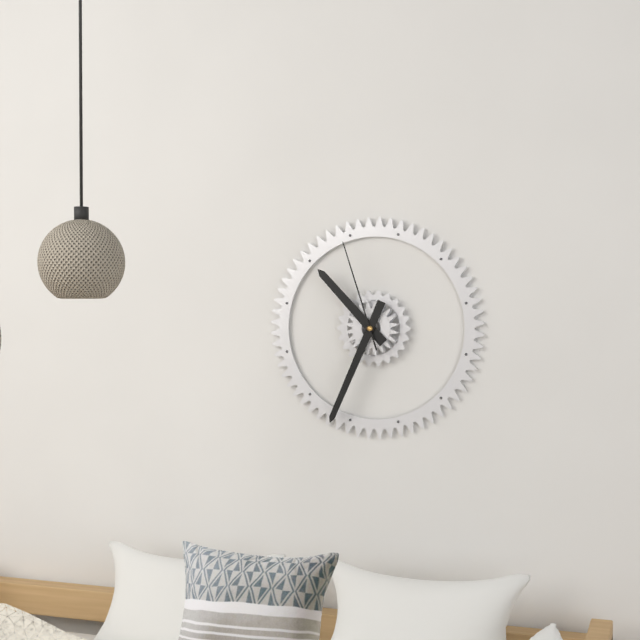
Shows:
{"hour": 10, "minute": 34, "second": 57}
